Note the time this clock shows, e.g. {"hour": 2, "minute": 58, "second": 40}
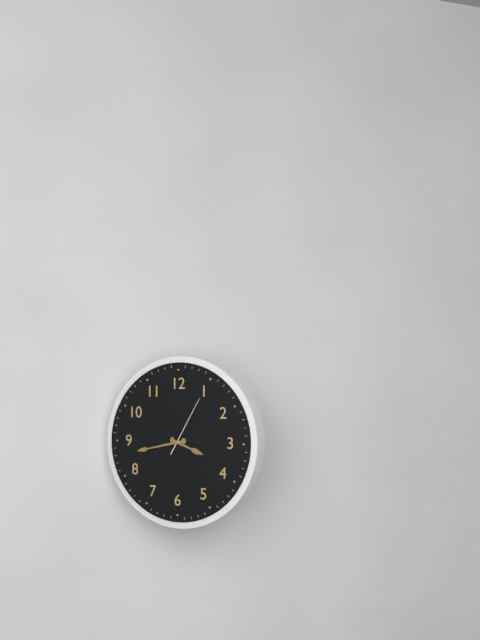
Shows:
{"hour": 3, "minute": 43, "second": 5}
